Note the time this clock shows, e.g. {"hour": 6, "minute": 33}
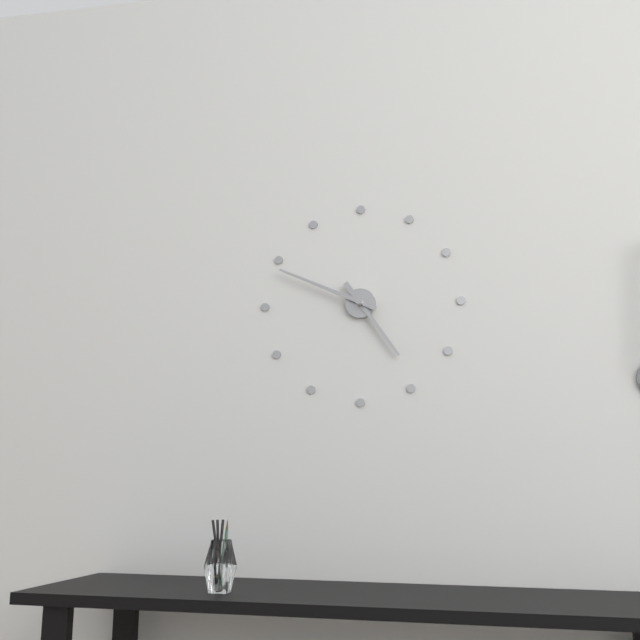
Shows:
{"hour": 4, "minute": 49}
